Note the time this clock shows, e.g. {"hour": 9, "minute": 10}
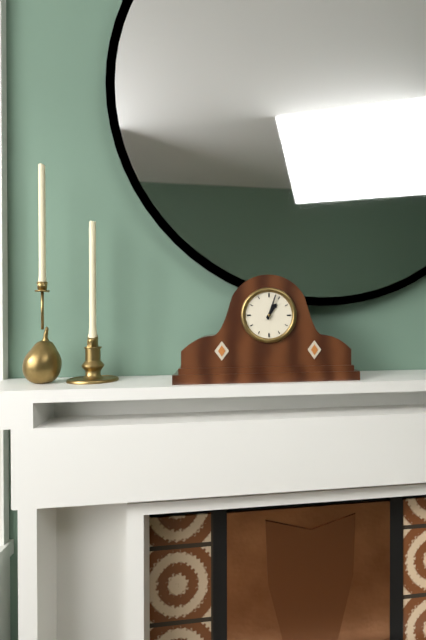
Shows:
{"hour": 1, "minute": 3}
